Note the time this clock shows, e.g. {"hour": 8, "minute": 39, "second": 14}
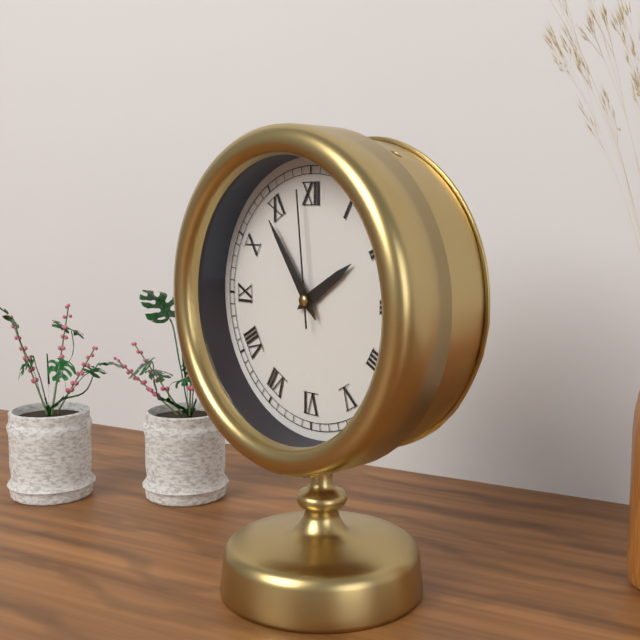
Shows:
{"hour": 1, "minute": 54, "second": 59}
